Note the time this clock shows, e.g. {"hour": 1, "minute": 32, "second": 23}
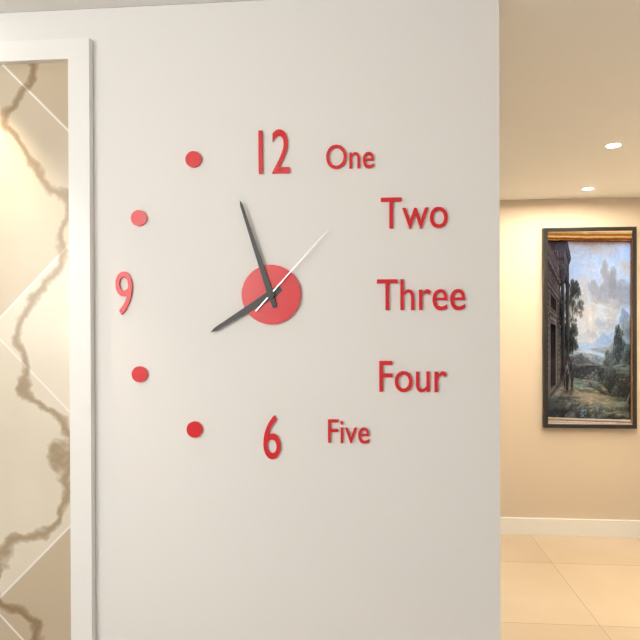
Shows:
{"hour": 7, "minute": 57, "second": 7}
